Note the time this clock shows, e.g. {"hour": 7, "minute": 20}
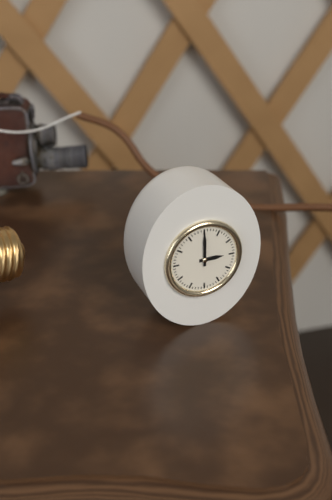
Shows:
{"hour": 3, "minute": 0}
